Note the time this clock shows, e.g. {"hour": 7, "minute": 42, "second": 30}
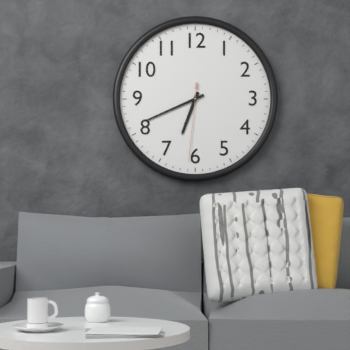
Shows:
{"hour": 6, "minute": 41, "second": 31}
